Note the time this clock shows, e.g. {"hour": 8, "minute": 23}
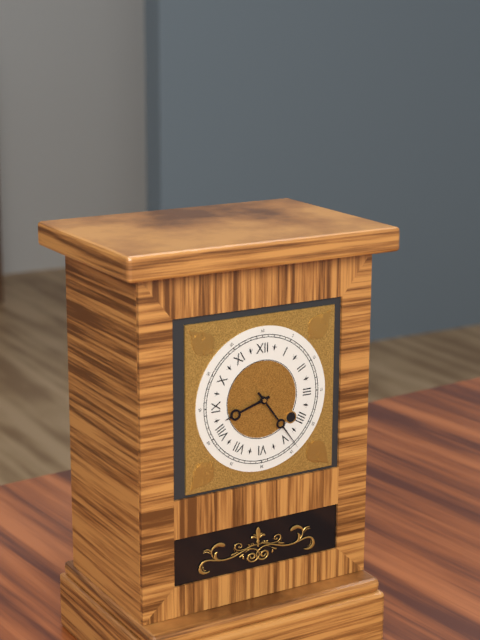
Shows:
{"hour": 8, "minute": 24}
